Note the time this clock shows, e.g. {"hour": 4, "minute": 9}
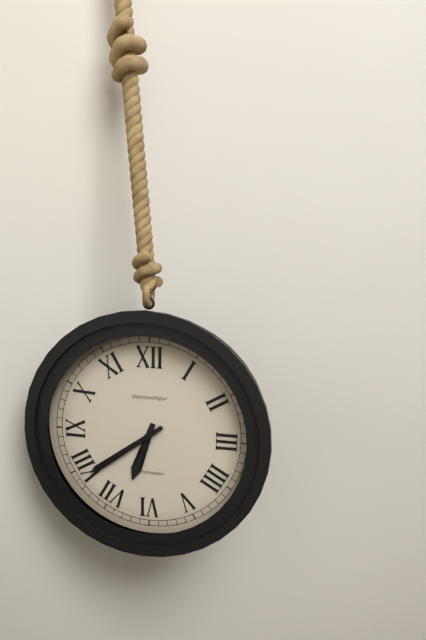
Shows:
{"hour": 6, "minute": 39}
